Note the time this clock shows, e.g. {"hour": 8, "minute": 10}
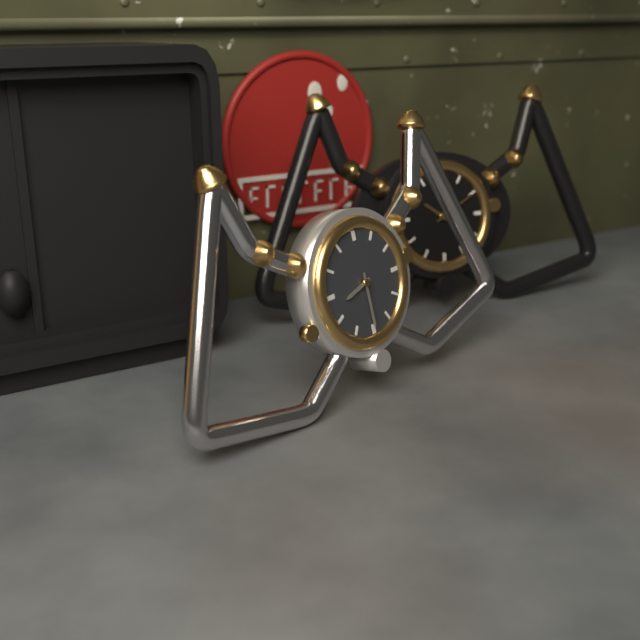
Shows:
{"hour": 8, "minute": 30}
